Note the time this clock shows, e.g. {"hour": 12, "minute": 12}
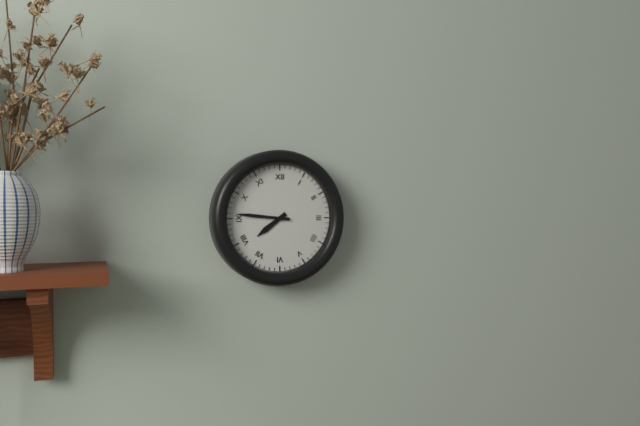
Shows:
{"hour": 7, "minute": 46}
